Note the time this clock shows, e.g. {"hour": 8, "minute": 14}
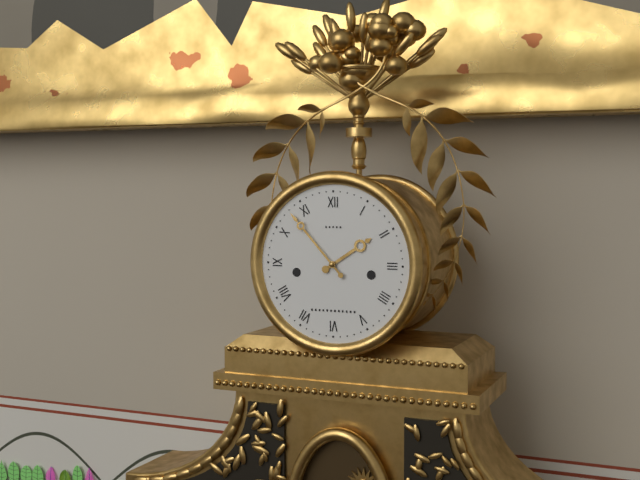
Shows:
{"hour": 1, "minute": 53}
